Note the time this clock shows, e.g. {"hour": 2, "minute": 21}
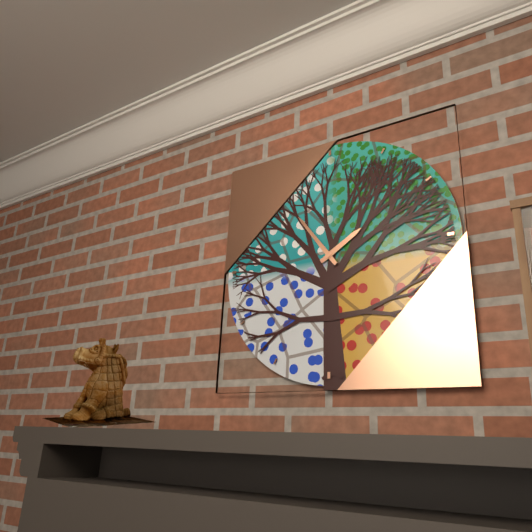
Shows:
{"hour": 1, "minute": 54}
